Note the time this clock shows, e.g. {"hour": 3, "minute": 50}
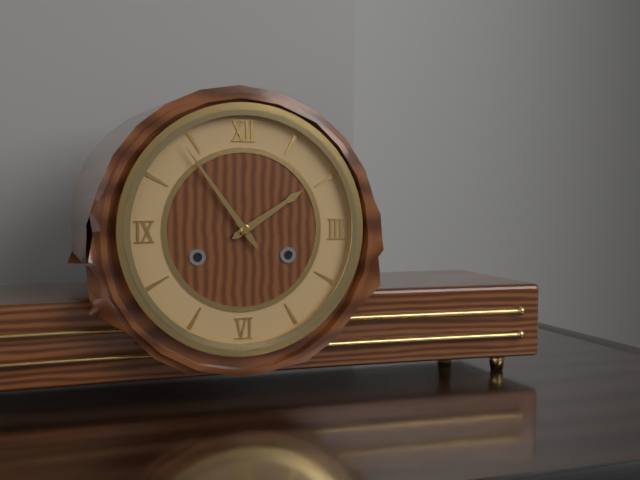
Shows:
{"hour": 1, "minute": 54}
